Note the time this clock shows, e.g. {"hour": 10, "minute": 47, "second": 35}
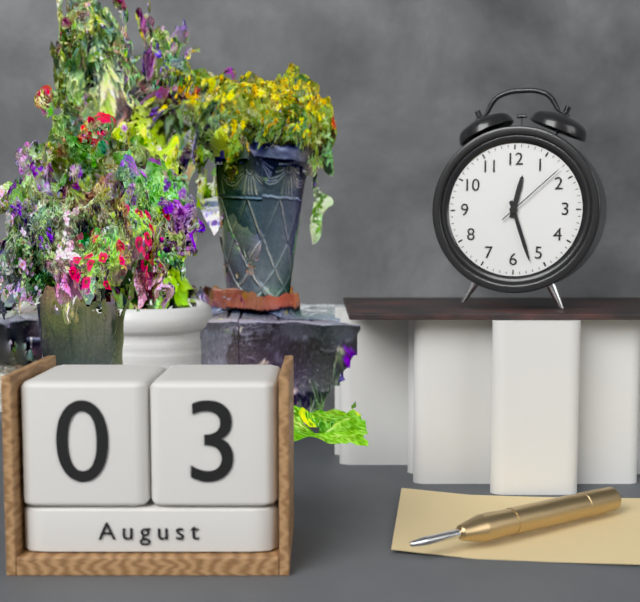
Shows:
{"hour": 12, "minute": 27, "second": 8}
